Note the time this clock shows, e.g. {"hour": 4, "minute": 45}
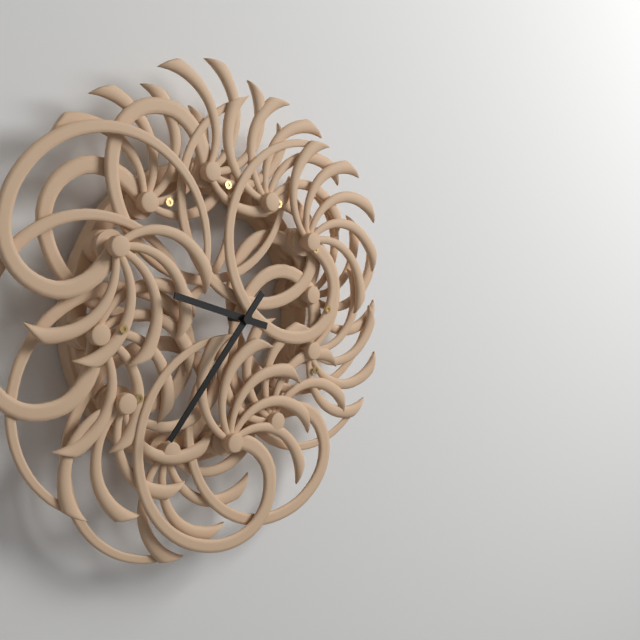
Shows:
{"hour": 9, "minute": 37}
